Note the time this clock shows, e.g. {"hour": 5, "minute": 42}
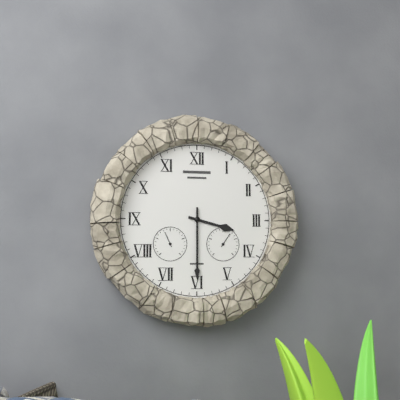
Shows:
{"hour": 3, "minute": 30}
